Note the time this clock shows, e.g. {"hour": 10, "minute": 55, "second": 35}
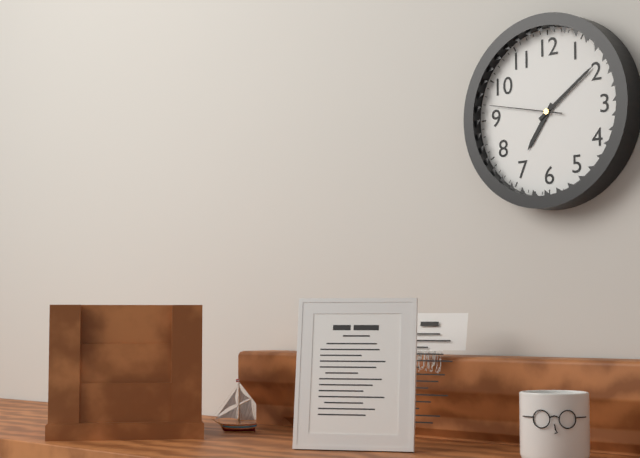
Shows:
{"hour": 7, "minute": 9, "second": 47}
